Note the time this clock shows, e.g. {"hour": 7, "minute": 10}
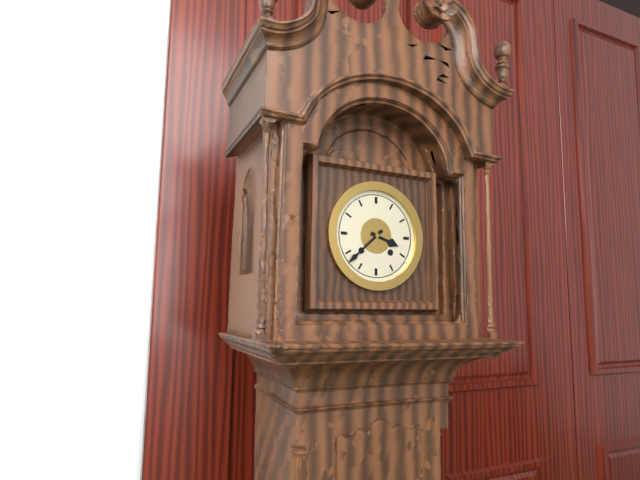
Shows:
{"hour": 3, "minute": 38}
